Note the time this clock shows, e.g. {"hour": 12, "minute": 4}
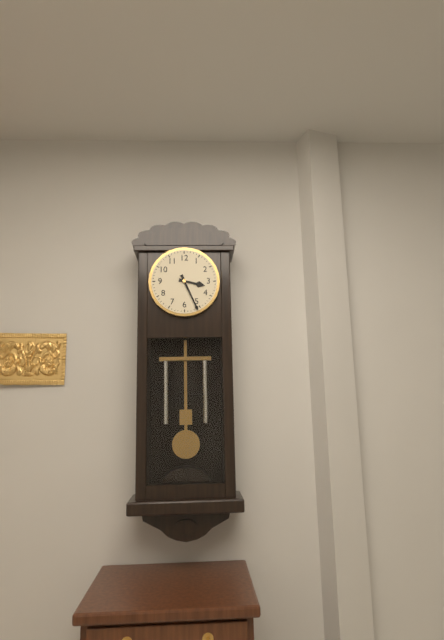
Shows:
{"hour": 3, "minute": 26}
